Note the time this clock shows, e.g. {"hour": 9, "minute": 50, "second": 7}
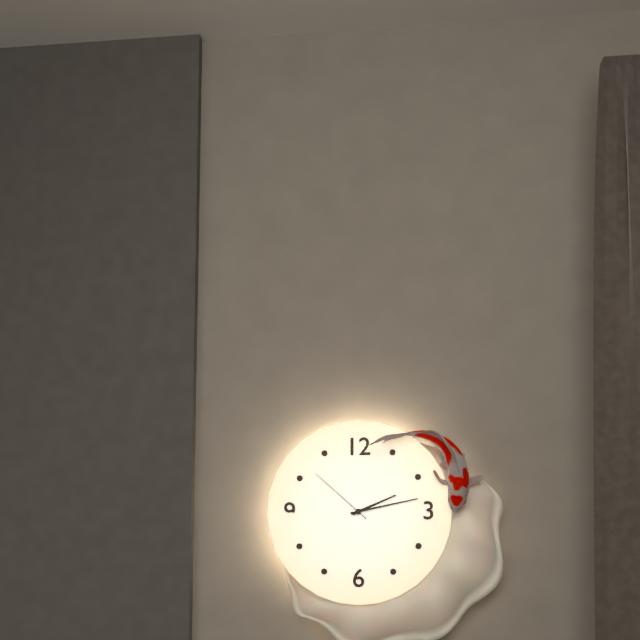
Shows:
{"hour": 2, "minute": 13, "second": 52}
